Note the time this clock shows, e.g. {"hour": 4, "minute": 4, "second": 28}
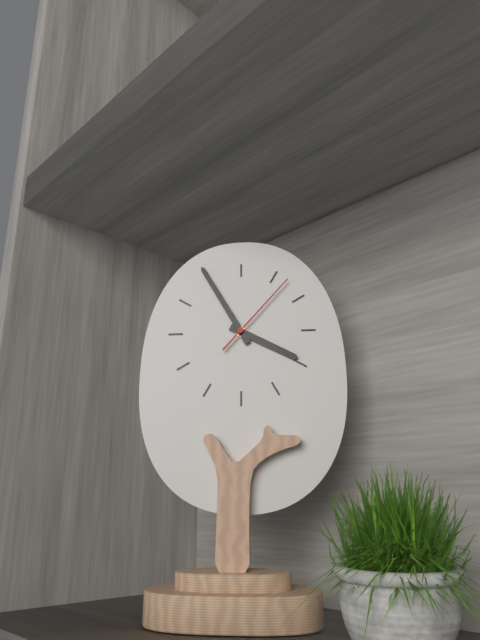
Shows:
{"hour": 3, "minute": 55, "second": 7}
